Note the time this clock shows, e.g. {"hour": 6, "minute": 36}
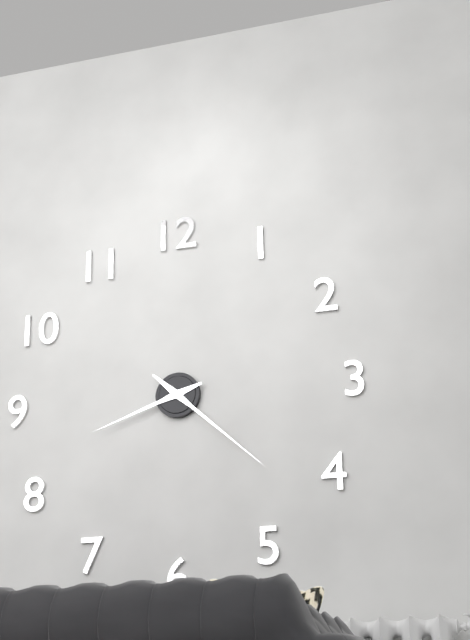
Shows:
{"hour": 8, "minute": 22}
